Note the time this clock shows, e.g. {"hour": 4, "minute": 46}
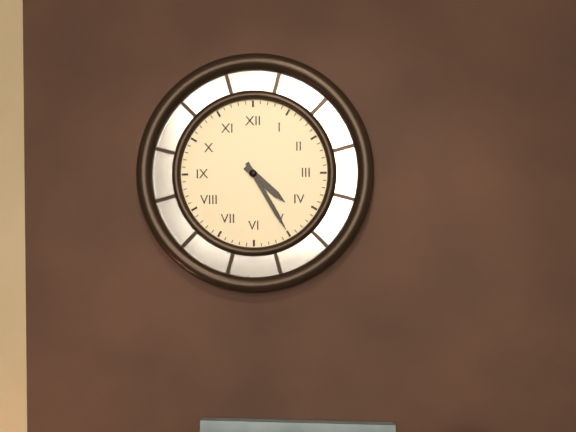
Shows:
{"hour": 4, "minute": 25}
